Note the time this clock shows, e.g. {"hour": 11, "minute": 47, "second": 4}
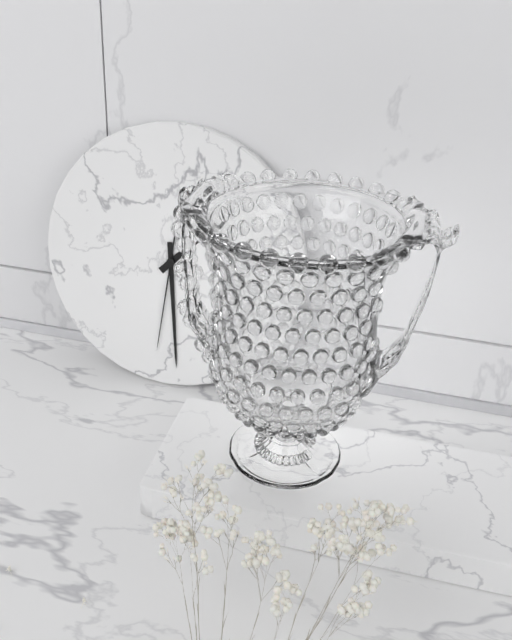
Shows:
{"hour": 1, "minute": 29, "second": 31}
